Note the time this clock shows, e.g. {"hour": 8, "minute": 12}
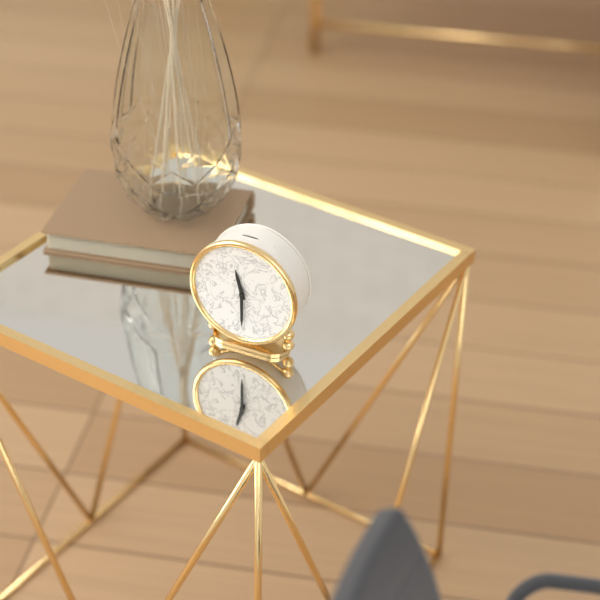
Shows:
{"hour": 11, "minute": 30}
